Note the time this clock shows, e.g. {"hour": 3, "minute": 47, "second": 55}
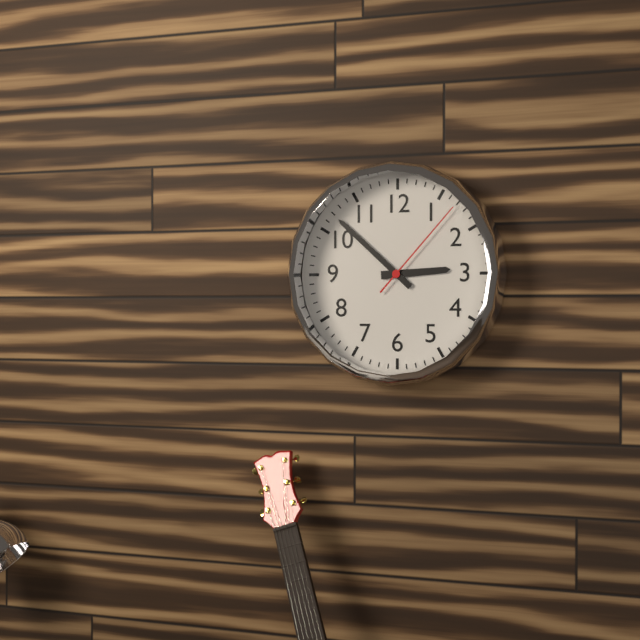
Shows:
{"hour": 2, "minute": 52, "second": 7}
